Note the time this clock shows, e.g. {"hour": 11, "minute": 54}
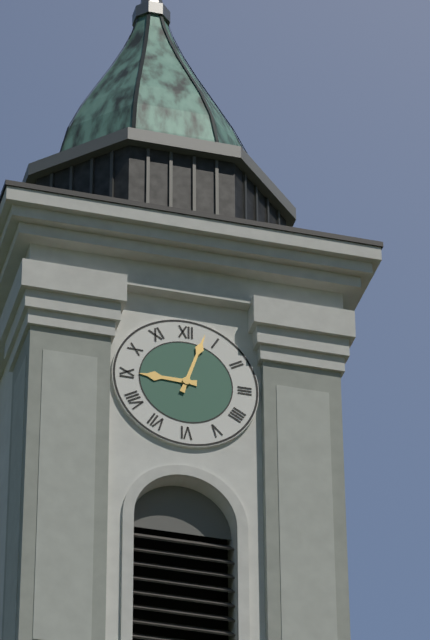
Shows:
{"hour": 9, "minute": 3}
